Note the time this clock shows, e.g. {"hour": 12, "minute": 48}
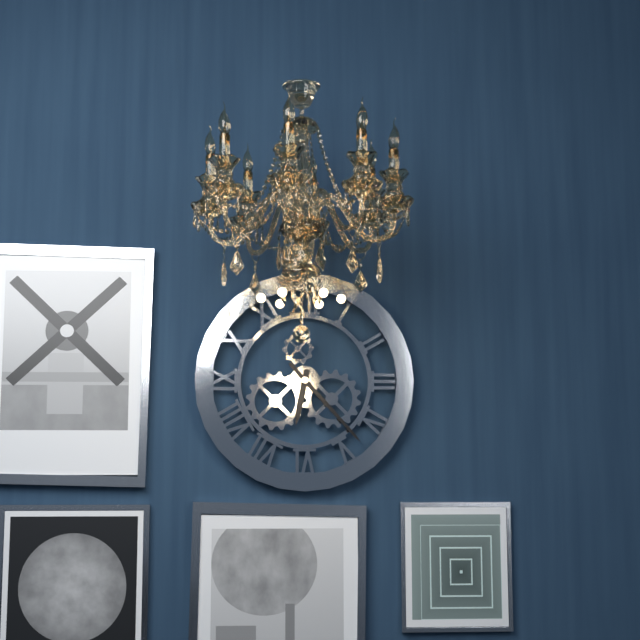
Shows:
{"hour": 6, "minute": 23}
